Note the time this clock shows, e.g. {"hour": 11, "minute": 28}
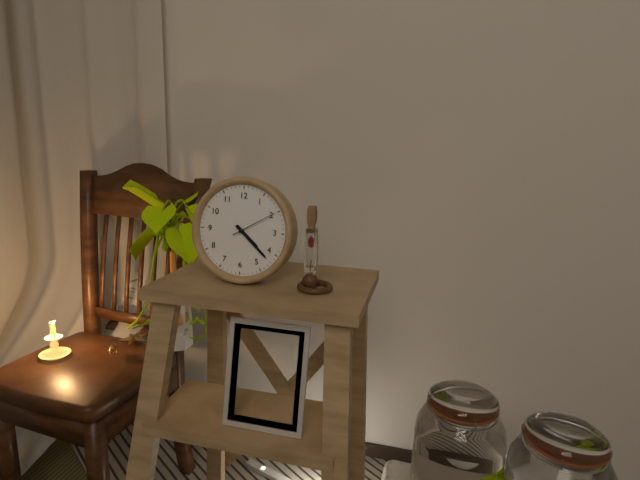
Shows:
{"hour": 4, "minute": 22}
